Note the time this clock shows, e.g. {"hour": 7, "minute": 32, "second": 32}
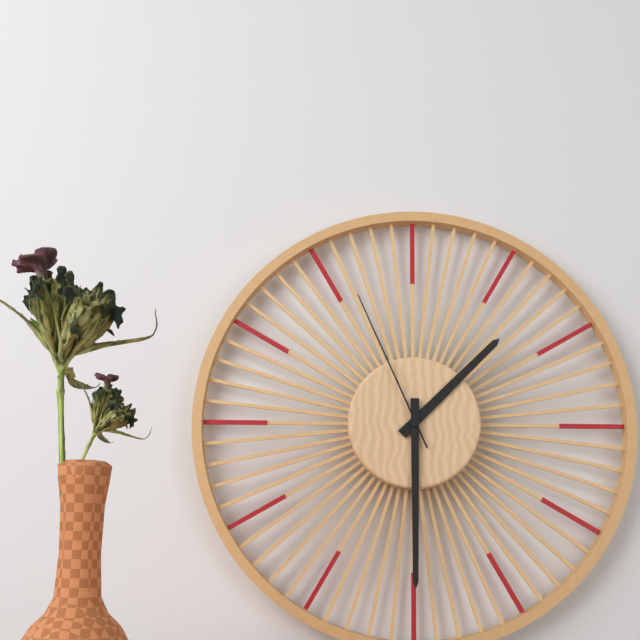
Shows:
{"hour": 1, "minute": 30, "second": 56}
